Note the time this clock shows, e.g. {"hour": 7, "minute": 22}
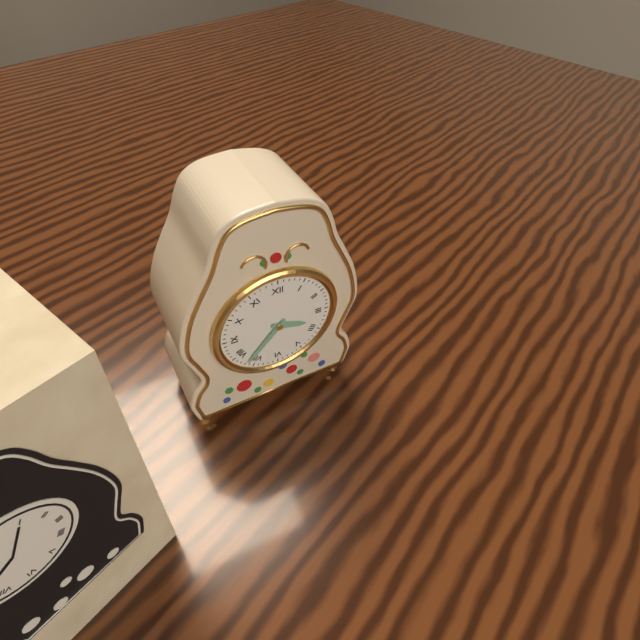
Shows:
{"hour": 3, "minute": 37}
